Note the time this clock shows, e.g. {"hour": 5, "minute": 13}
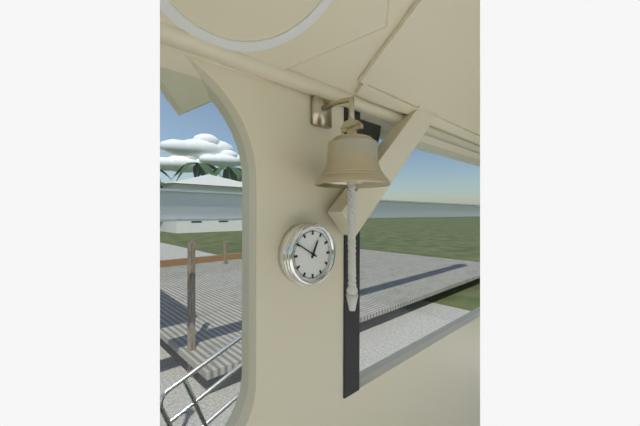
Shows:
{"hour": 12, "minute": 50}
